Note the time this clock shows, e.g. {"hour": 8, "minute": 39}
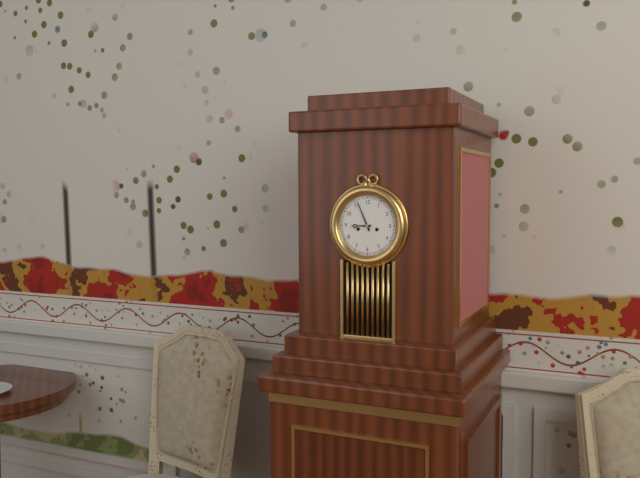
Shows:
{"hour": 8, "minute": 56}
